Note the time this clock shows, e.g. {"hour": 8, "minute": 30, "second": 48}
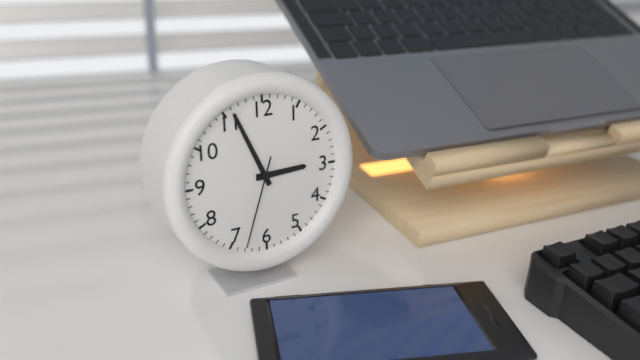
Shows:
{"hour": 2, "minute": 56, "second": 33}
